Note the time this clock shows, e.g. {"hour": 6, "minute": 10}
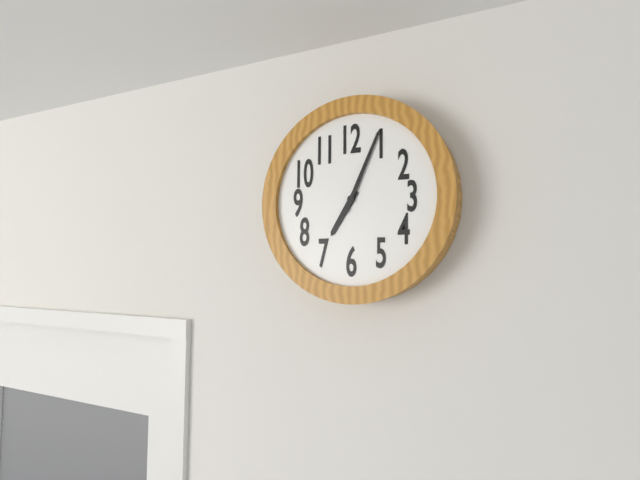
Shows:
{"hour": 7, "minute": 4}
